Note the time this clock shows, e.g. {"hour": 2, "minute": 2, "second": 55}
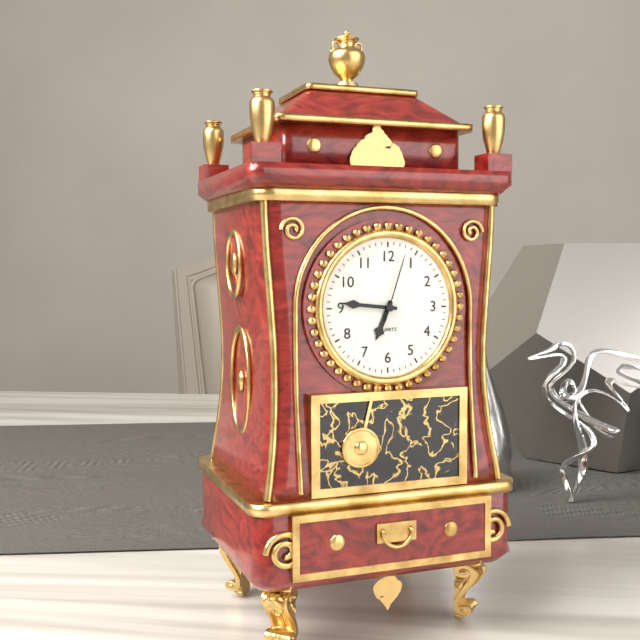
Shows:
{"hour": 6, "minute": 46, "second": 3}
